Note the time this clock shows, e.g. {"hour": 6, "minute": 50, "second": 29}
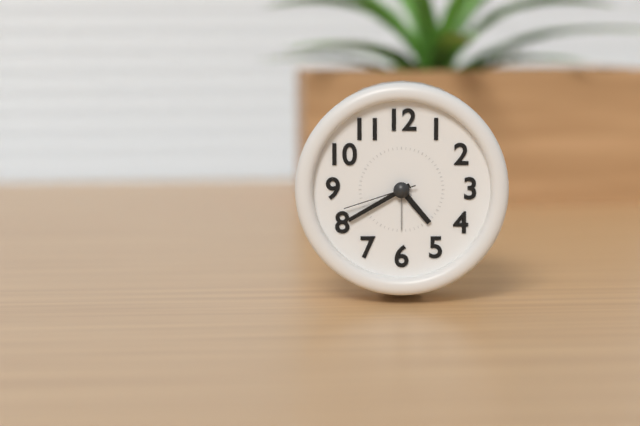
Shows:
{"hour": 4, "minute": 40, "second": 42}
